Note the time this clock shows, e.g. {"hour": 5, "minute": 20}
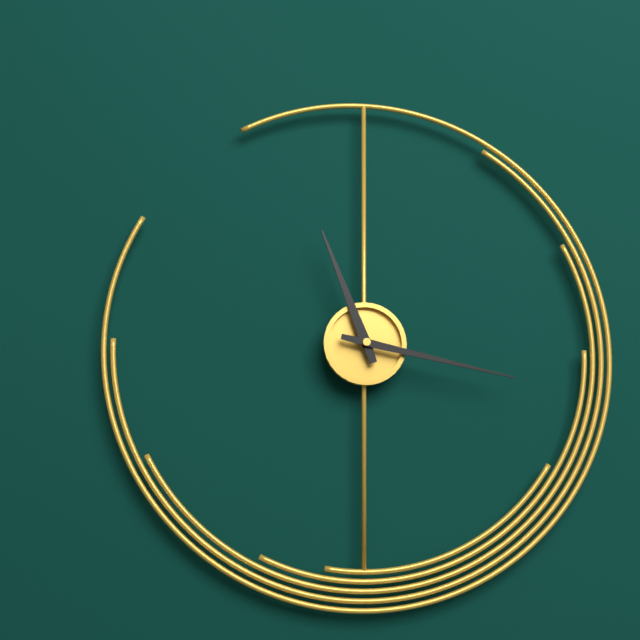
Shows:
{"hour": 11, "minute": 17}
